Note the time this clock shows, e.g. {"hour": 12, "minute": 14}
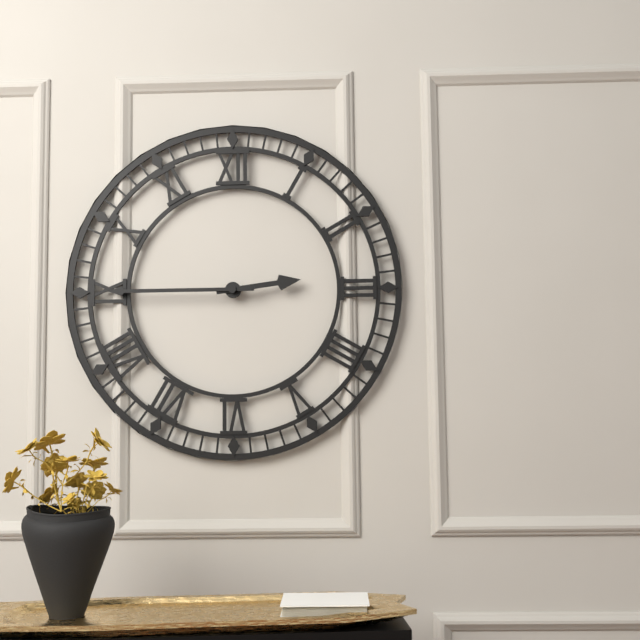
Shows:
{"hour": 2, "minute": 45}
